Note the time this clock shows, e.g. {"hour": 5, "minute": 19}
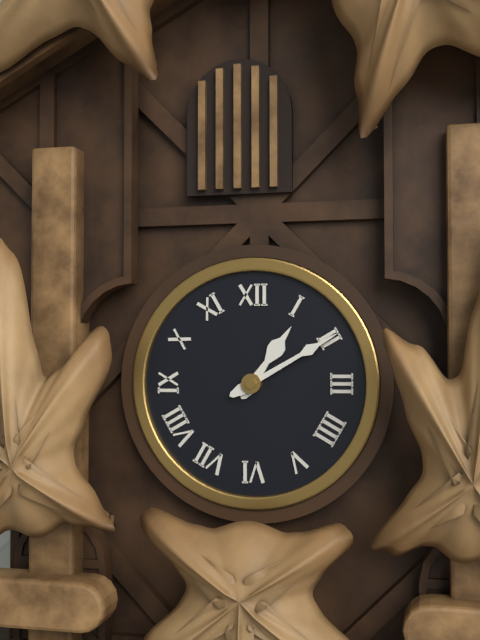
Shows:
{"hour": 1, "minute": 10}
